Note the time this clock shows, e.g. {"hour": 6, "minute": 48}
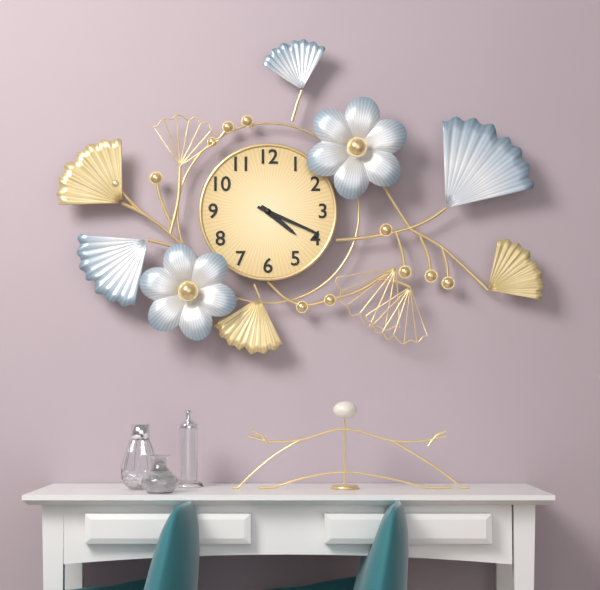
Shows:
{"hour": 4, "minute": 19}
